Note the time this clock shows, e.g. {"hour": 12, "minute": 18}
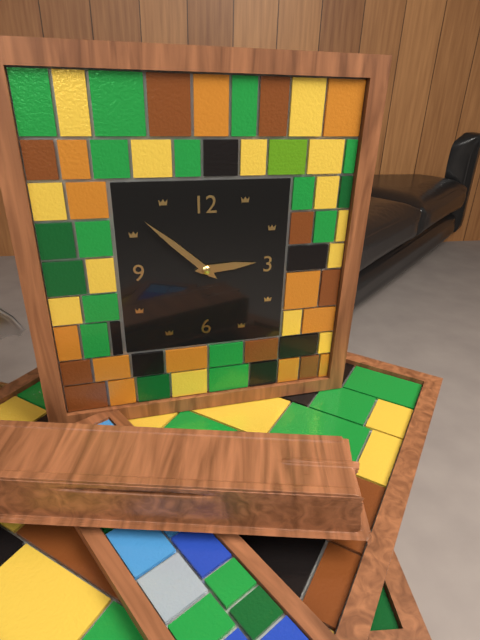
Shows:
{"hour": 2, "minute": 52}
